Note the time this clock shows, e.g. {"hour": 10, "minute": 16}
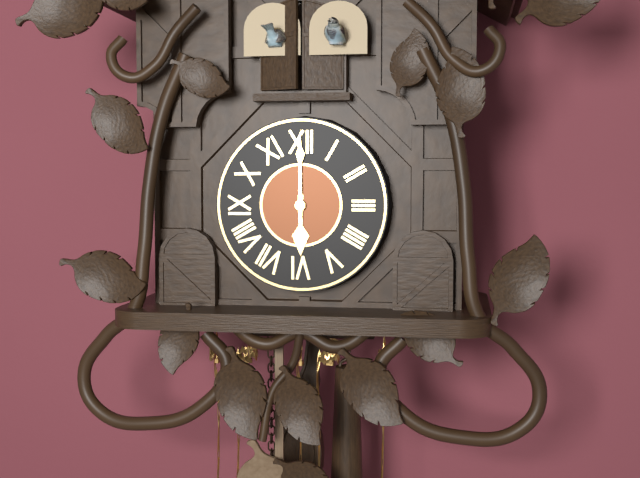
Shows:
{"hour": 6, "minute": 0}
